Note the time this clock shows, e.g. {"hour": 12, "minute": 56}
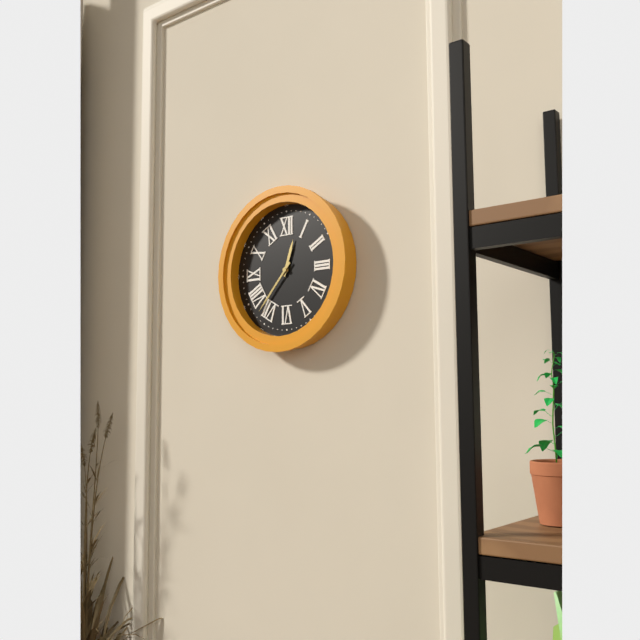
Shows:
{"hour": 12, "minute": 37}
